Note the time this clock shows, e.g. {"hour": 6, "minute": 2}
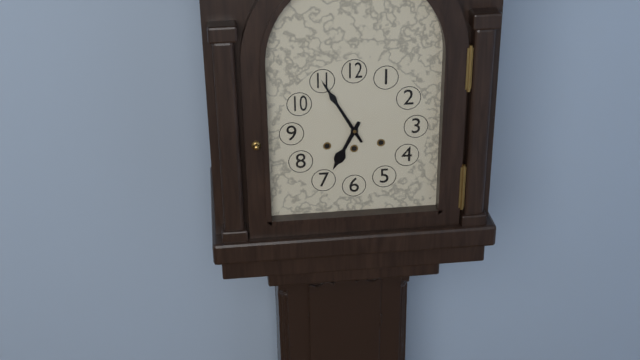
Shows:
{"hour": 6, "minute": 55}
